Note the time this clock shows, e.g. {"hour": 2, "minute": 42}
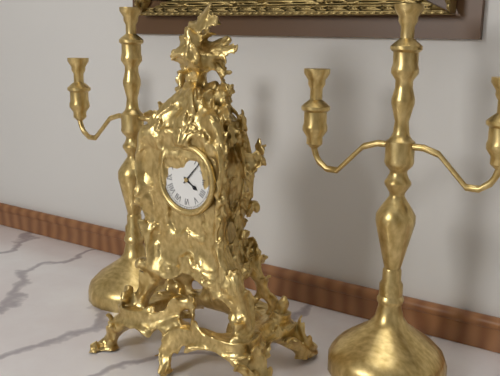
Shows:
{"hour": 4, "minute": 7}
